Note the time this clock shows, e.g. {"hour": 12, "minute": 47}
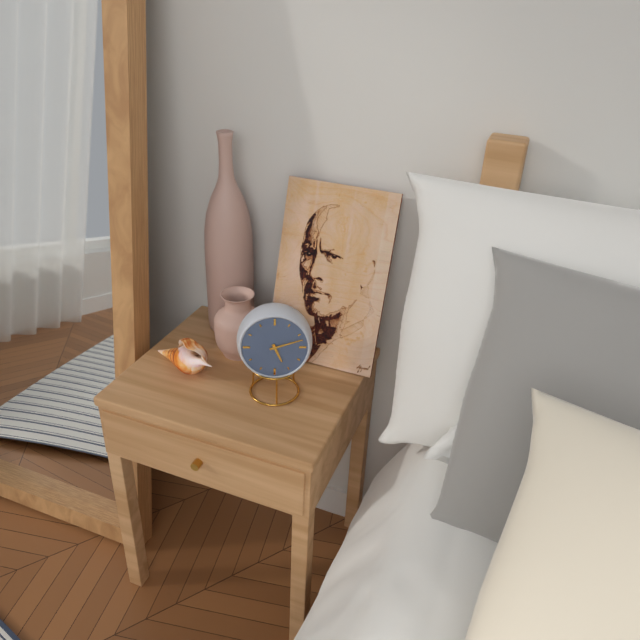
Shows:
{"hour": 5, "minute": 12}
